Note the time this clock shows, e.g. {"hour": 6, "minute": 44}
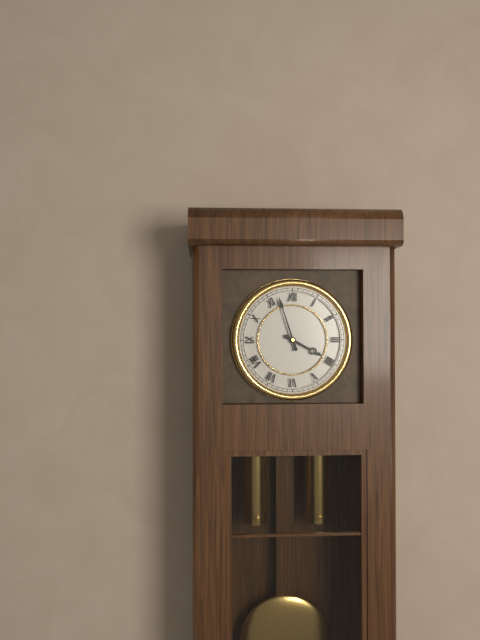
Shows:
{"hour": 3, "minute": 57}
